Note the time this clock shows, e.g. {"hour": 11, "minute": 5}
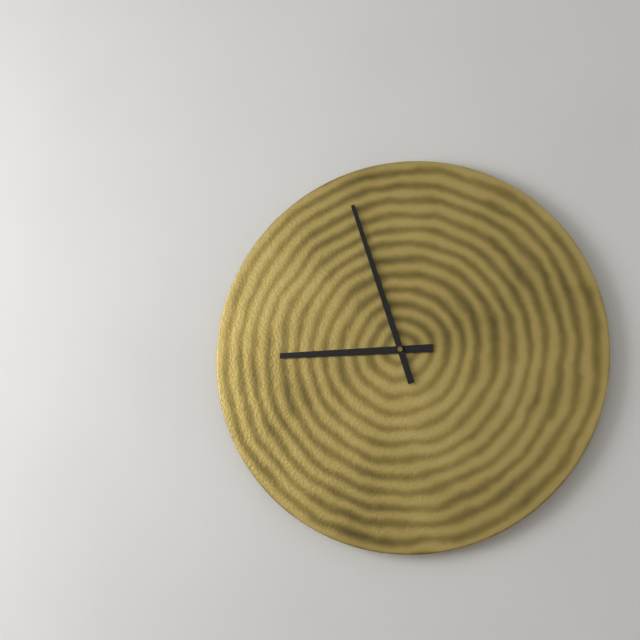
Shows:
{"hour": 8, "minute": 57}
